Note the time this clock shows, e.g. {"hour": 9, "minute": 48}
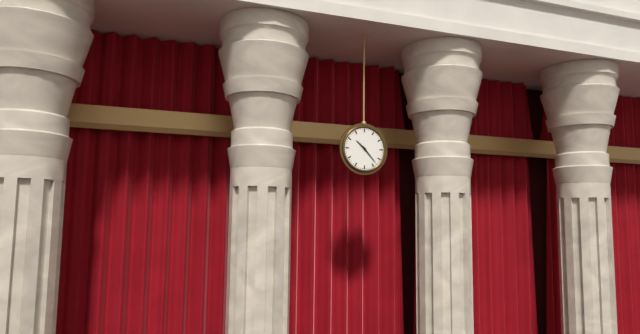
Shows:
{"hour": 10, "minute": 23}
